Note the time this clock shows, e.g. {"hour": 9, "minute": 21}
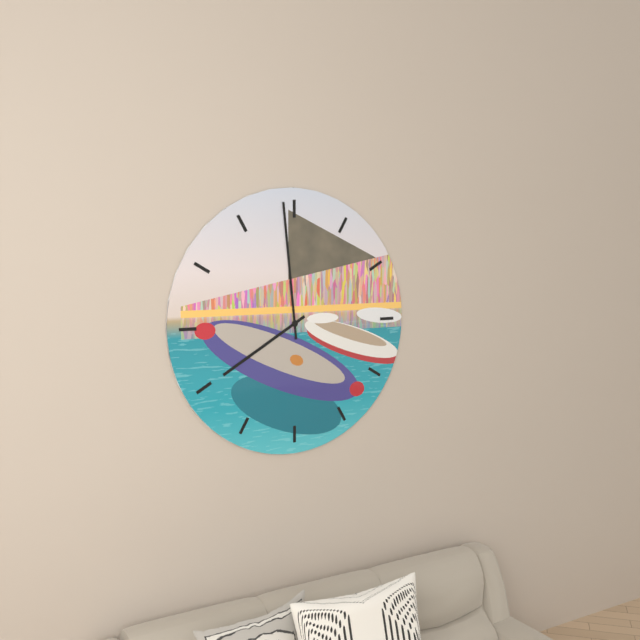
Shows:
{"hour": 7, "minute": 59}
